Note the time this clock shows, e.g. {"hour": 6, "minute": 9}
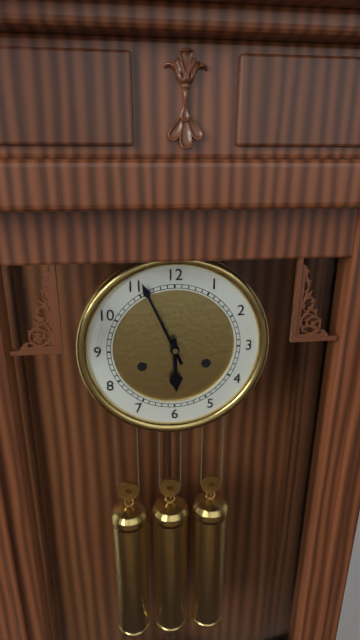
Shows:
{"hour": 5, "minute": 56}
